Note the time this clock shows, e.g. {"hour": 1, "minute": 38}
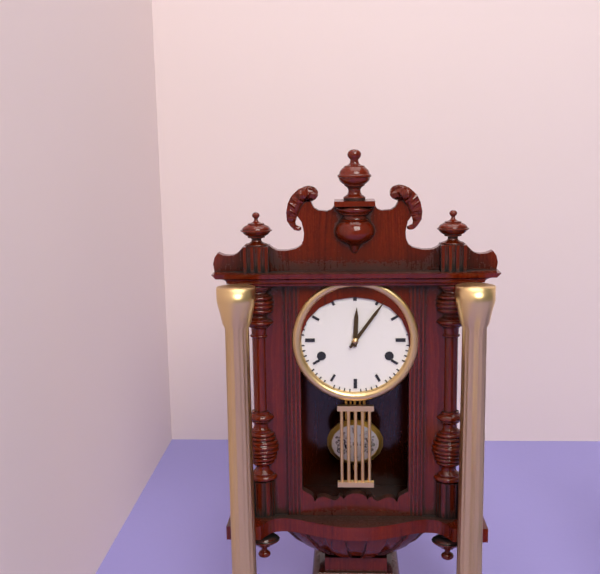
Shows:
{"hour": 12, "minute": 6}
